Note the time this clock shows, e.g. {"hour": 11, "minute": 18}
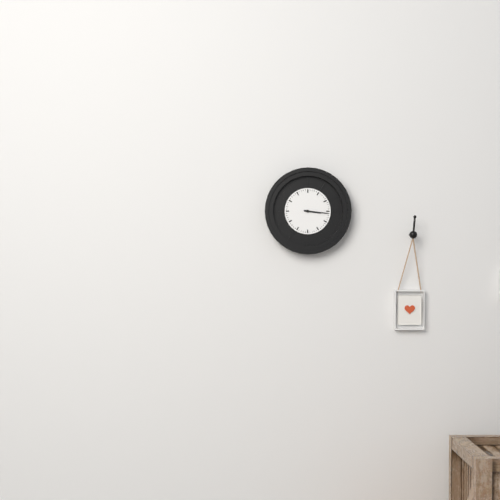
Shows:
{"hour": 3, "minute": 16}
